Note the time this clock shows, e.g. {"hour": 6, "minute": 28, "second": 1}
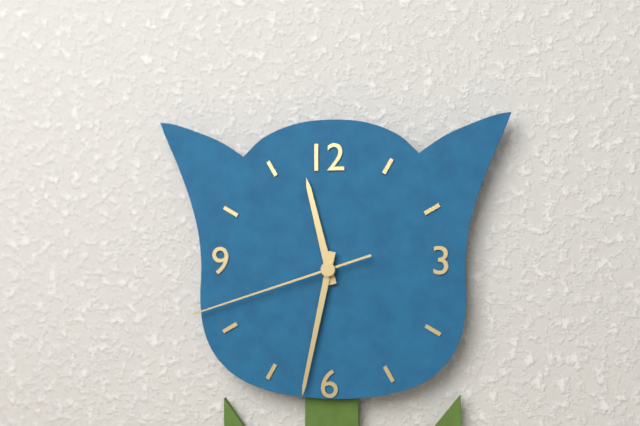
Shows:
{"hour": 11, "minute": 32, "second": 42}
